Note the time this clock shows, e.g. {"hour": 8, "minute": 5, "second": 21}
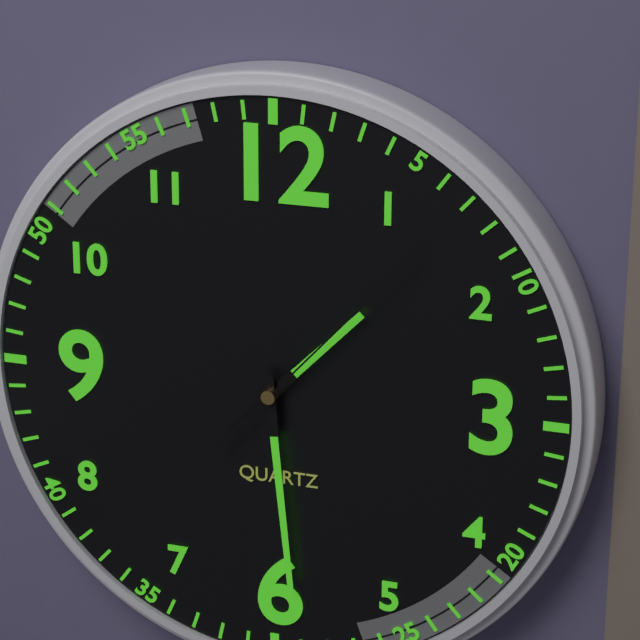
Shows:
{"hour": 1, "minute": 29, "second": 7}
